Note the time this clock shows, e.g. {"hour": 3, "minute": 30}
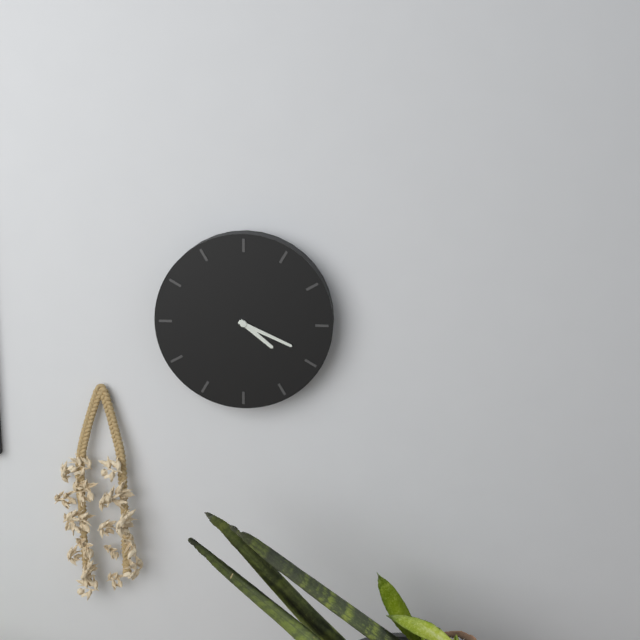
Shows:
{"hour": 4, "minute": 19}
